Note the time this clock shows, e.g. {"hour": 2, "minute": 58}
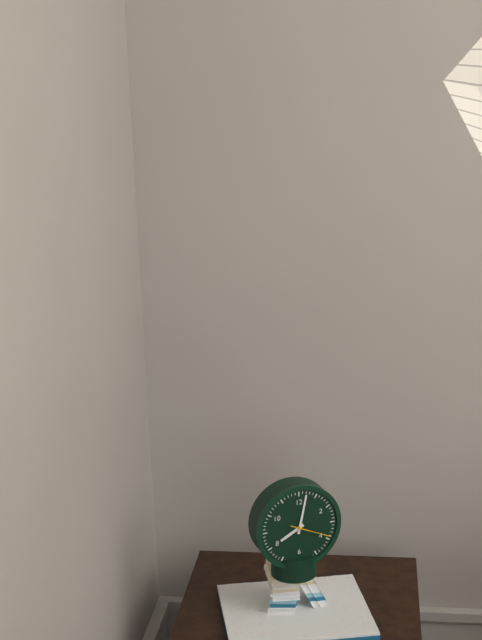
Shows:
{"hour": 8, "minute": 2}
